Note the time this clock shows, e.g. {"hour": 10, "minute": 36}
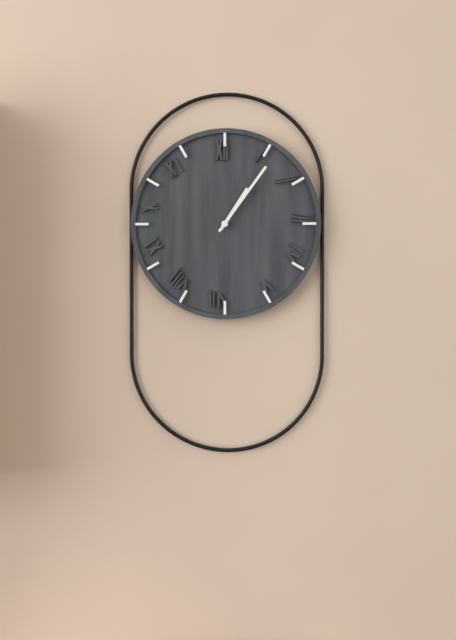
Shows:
{"hour": 1, "minute": 6}
